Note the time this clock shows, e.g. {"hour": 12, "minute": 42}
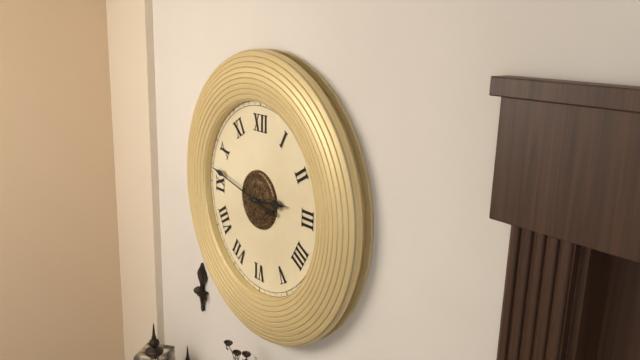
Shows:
{"hour": 2, "minute": 47}
